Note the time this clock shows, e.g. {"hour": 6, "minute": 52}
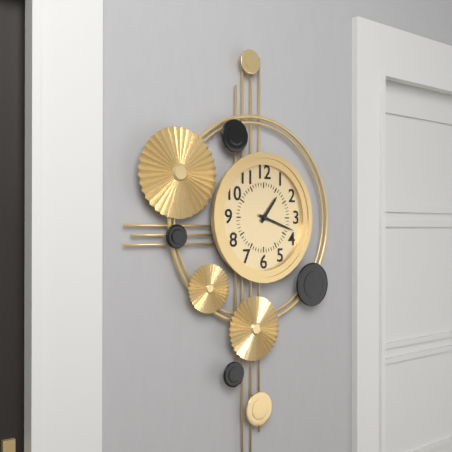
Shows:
{"hour": 1, "minute": 18}
